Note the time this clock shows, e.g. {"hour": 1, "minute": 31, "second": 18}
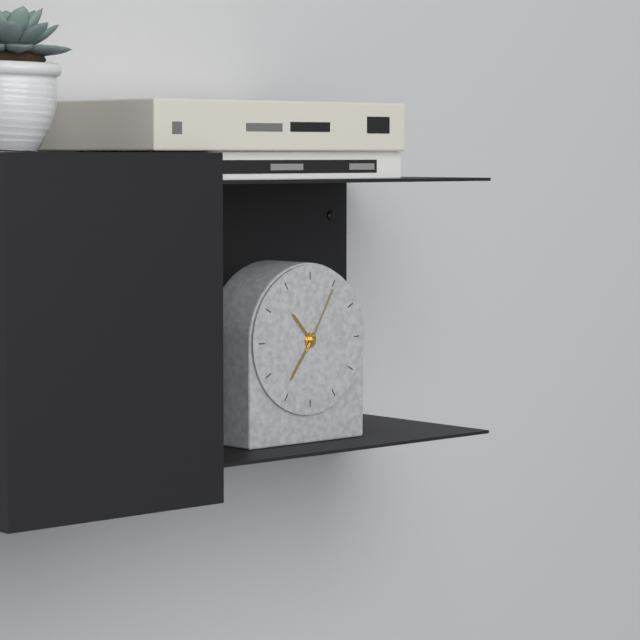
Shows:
{"hour": 10, "minute": 36, "second": 5}
